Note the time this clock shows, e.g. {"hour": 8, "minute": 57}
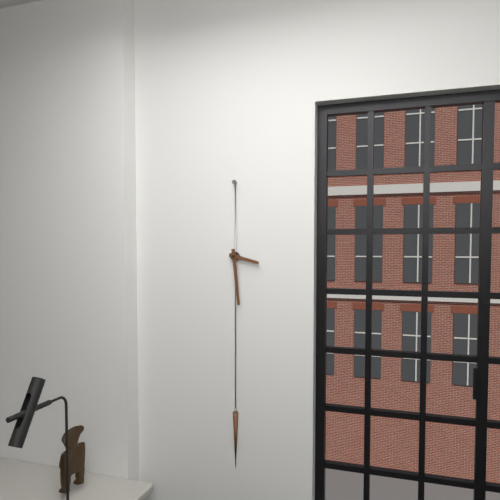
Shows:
{"hour": 3, "minute": 29}
